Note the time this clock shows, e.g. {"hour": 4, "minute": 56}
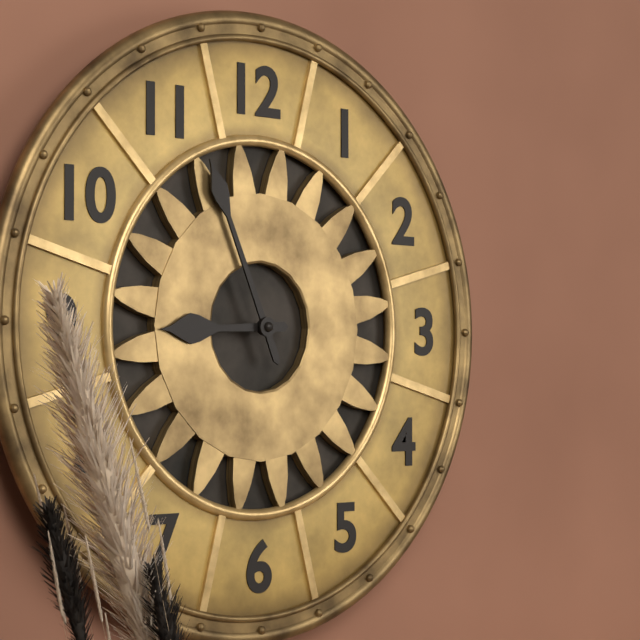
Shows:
{"hour": 8, "minute": 56}
